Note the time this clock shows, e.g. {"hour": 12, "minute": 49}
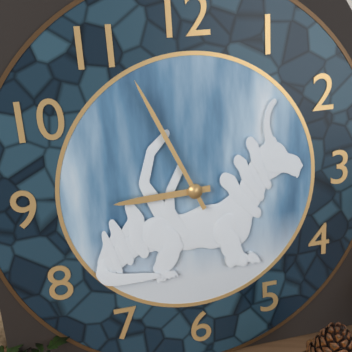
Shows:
{"hour": 8, "minute": 56}
